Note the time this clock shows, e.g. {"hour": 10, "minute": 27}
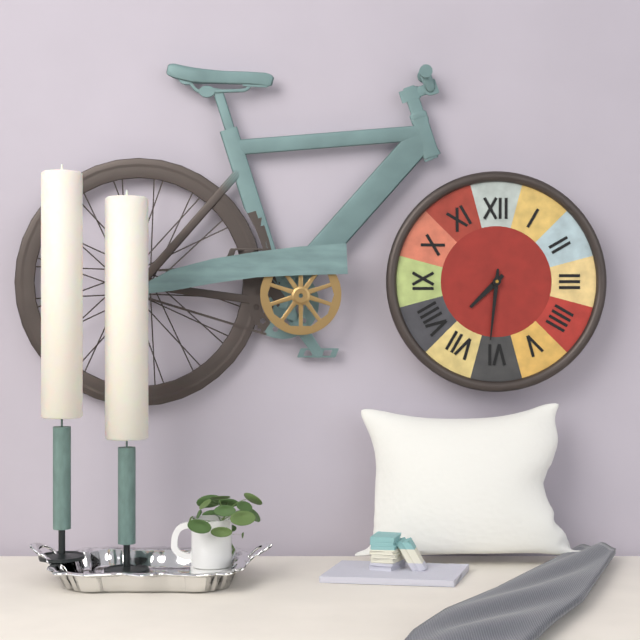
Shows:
{"hour": 7, "minute": 31}
